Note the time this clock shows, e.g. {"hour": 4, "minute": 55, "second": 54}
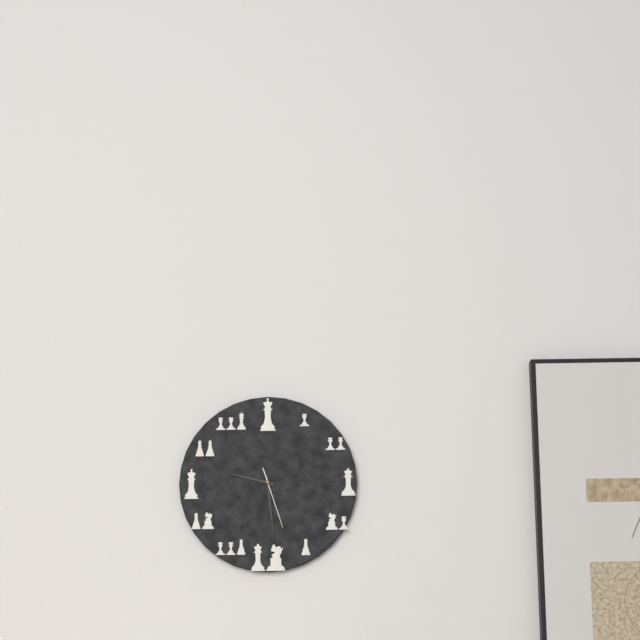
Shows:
{"hour": 9, "minute": 29, "second": 27}
